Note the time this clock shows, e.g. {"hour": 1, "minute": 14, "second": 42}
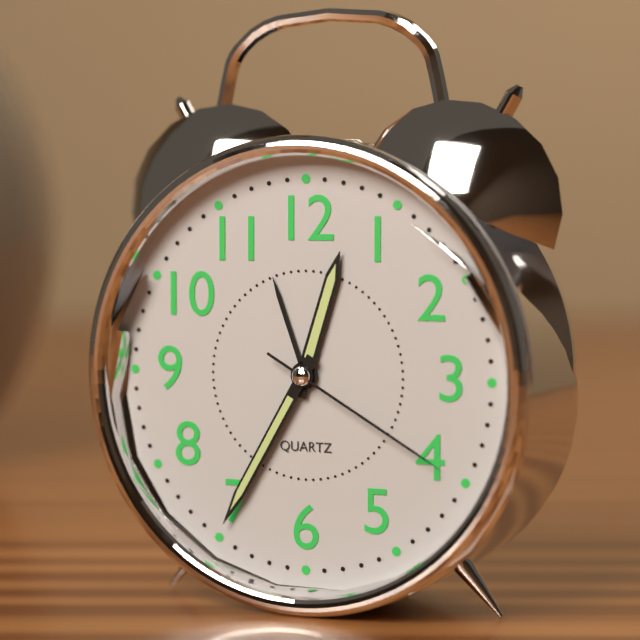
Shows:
{"hour": 12, "minute": 35, "second": 20}
